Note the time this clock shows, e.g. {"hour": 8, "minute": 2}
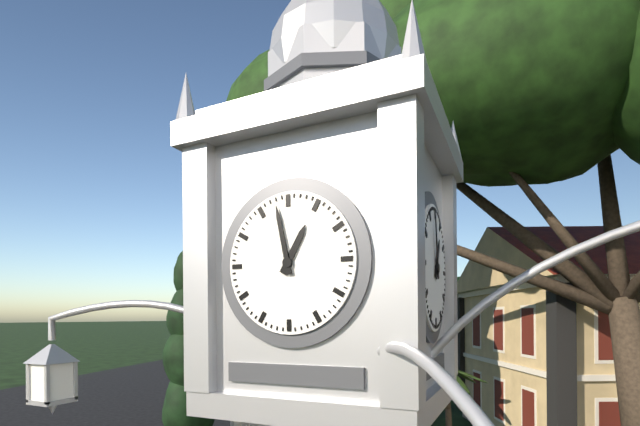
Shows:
{"hour": 12, "minute": 58}
